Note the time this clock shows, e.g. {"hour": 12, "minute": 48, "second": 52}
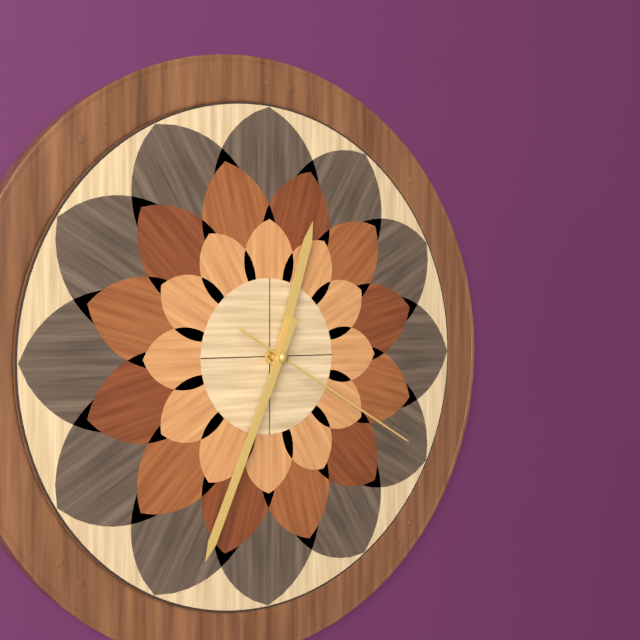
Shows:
{"hour": 12, "minute": 34, "second": 20}
